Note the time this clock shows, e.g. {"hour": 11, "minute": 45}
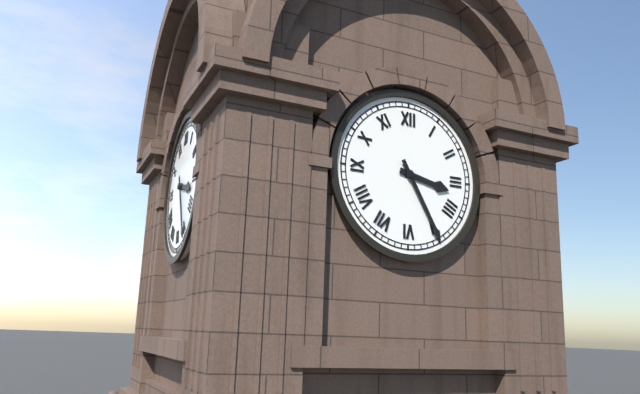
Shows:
{"hour": 3, "minute": 25}
